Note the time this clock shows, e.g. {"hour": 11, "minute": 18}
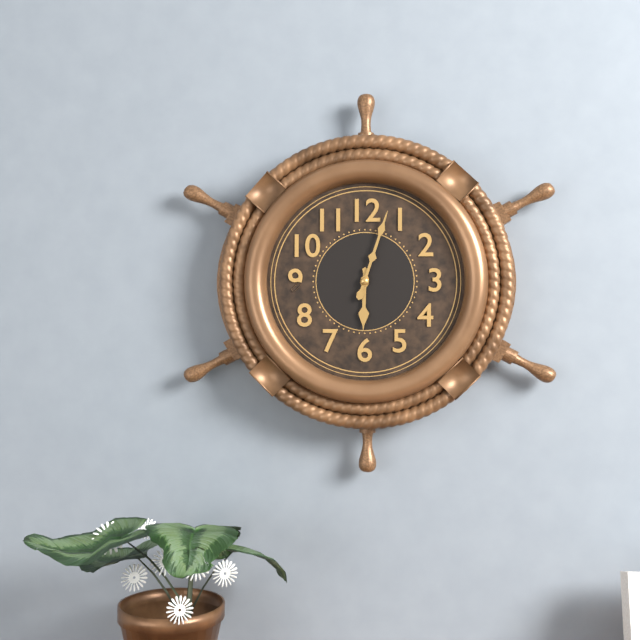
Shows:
{"hour": 6, "minute": 3}
